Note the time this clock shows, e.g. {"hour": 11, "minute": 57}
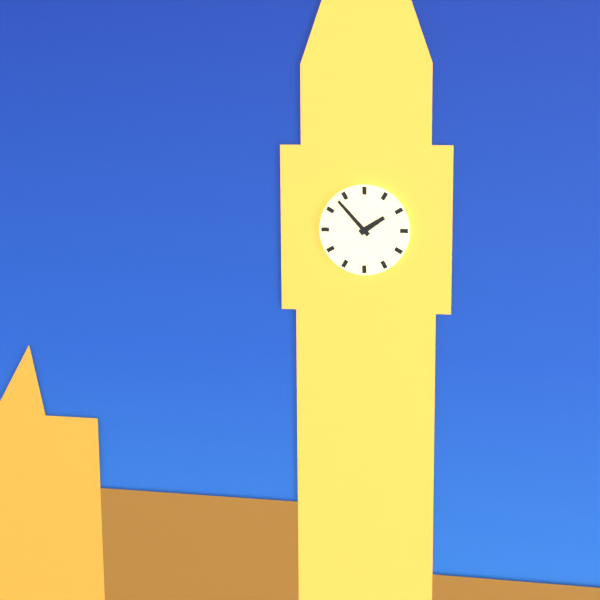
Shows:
{"hour": 1, "minute": 53}
